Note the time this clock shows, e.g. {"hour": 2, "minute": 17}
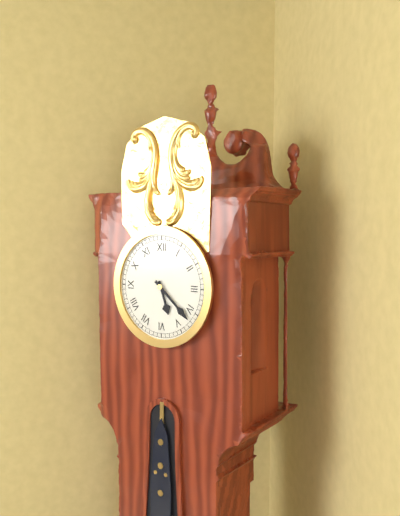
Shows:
{"hour": 5, "minute": 22}
